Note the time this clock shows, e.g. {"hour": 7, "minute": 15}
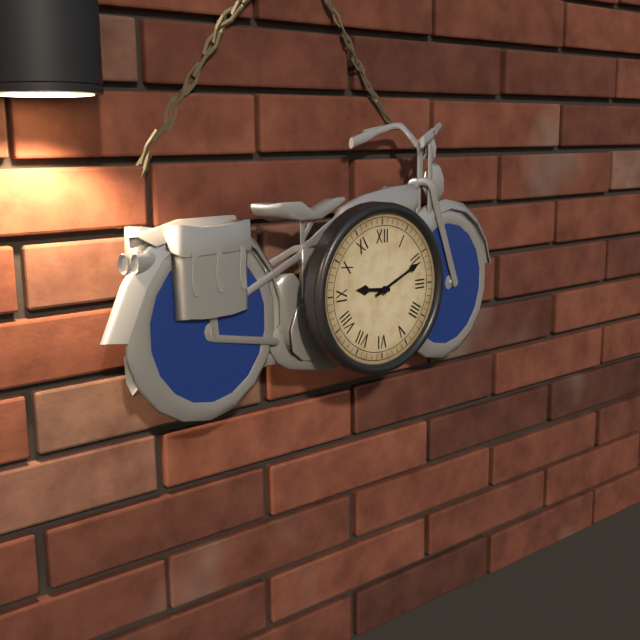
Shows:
{"hour": 9, "minute": 11}
